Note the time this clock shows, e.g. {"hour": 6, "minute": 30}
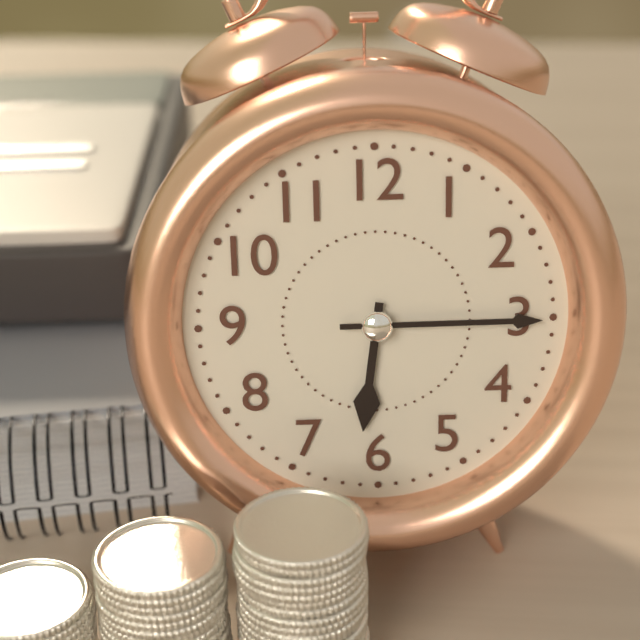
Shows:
{"hour": 6, "minute": 15}
